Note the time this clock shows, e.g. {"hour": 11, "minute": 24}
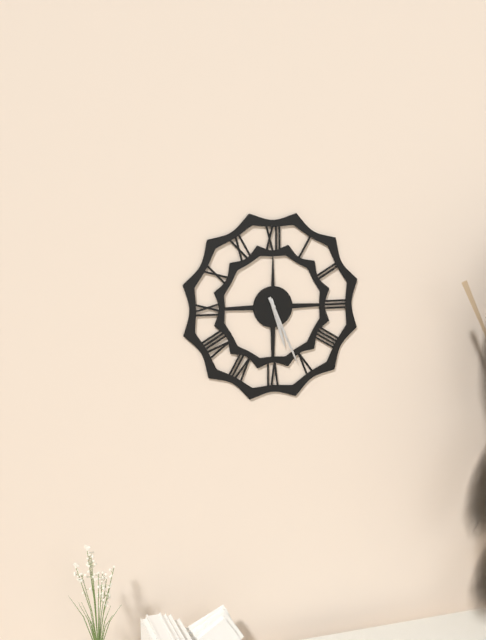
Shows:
{"hour": 5, "minute": 26}
